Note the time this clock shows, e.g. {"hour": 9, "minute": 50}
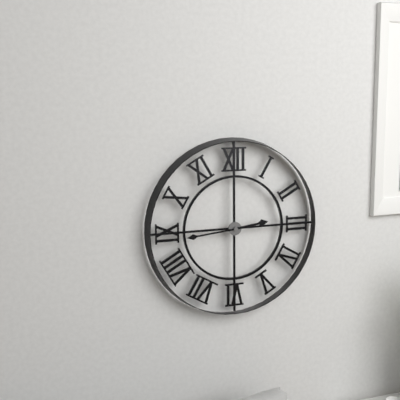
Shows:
{"hour": 2, "minute": 44}
